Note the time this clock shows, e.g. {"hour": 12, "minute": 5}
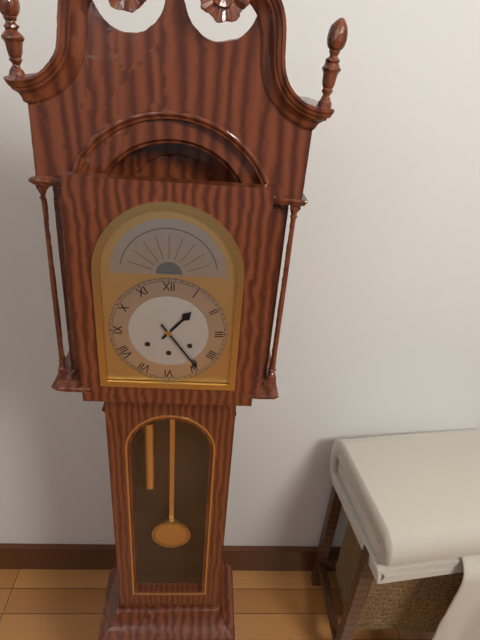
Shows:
{"hour": 1, "minute": 24}
